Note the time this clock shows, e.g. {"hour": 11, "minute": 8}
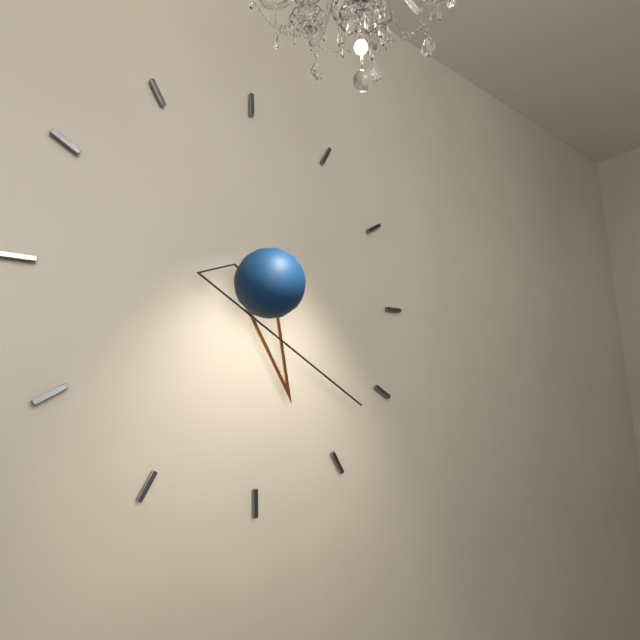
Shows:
{"hour": 5, "minute": 22}
